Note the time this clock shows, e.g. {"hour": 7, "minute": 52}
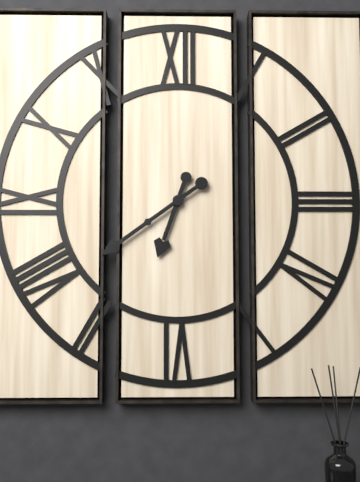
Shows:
{"hour": 6, "minute": 39}
